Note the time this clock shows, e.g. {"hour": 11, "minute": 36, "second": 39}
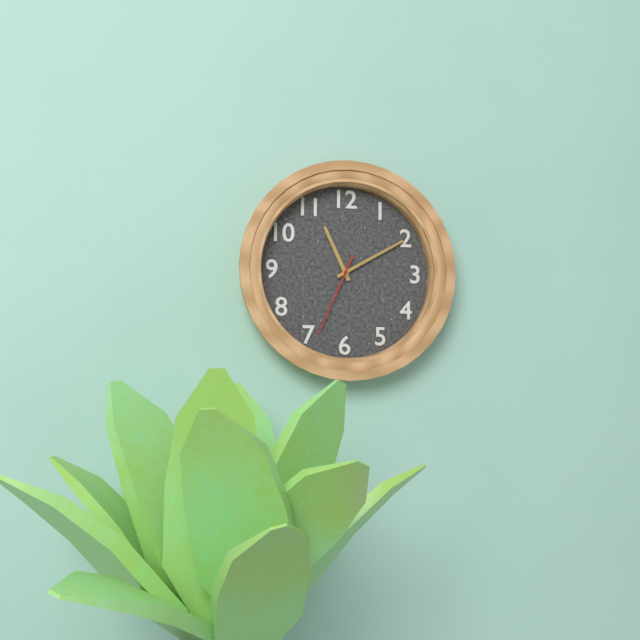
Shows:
{"hour": 11, "minute": 10, "second": 34}
